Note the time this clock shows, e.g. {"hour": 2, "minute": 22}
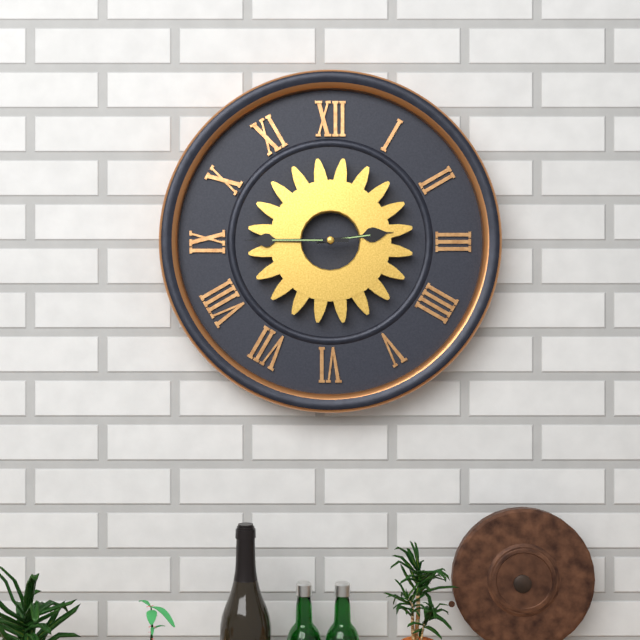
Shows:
{"hour": 2, "minute": 45}
